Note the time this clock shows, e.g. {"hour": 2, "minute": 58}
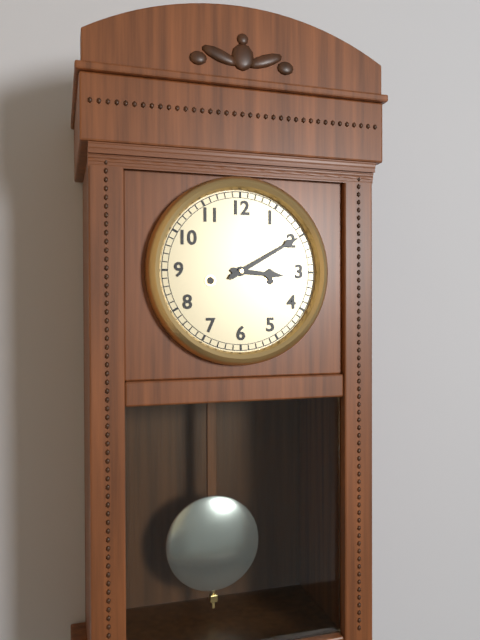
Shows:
{"hour": 3, "minute": 10}
